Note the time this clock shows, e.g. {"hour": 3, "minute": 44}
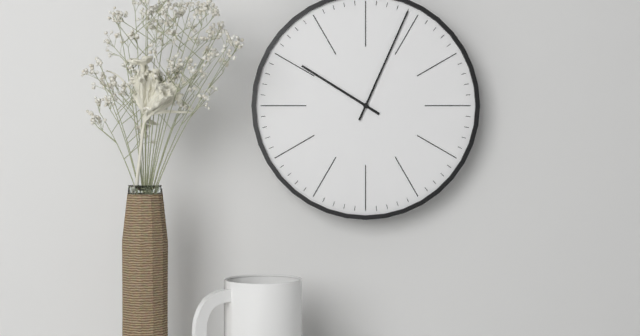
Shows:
{"hour": 10, "minute": 4}
